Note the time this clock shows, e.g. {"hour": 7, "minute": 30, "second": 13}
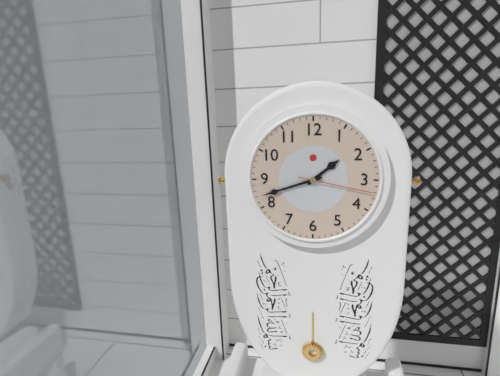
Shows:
{"hour": 1, "minute": 42, "second": 17}
